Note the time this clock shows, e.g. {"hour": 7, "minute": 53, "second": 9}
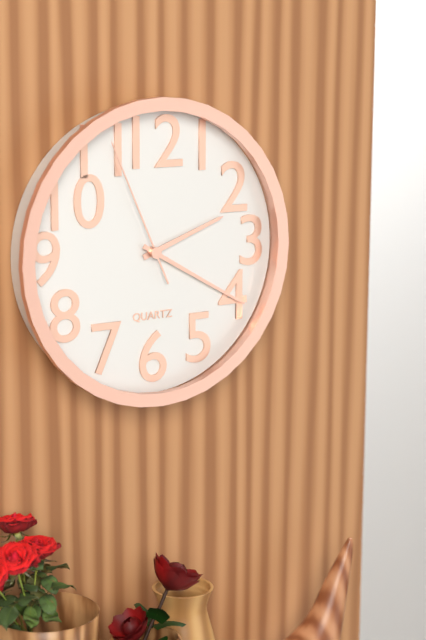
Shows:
{"hour": 2, "minute": 20, "second": 56}
